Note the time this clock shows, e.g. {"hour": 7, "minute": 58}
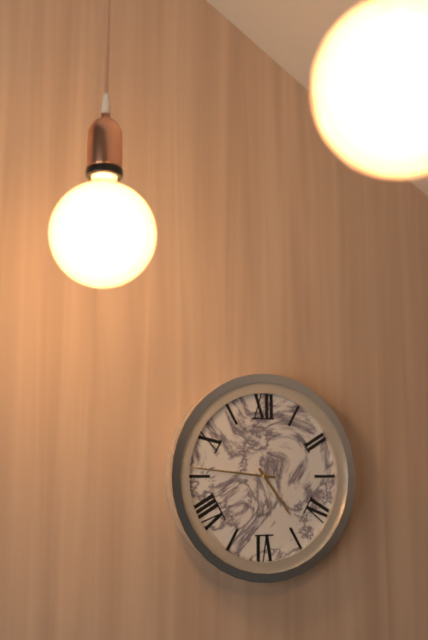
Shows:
{"hour": 4, "minute": 46}
